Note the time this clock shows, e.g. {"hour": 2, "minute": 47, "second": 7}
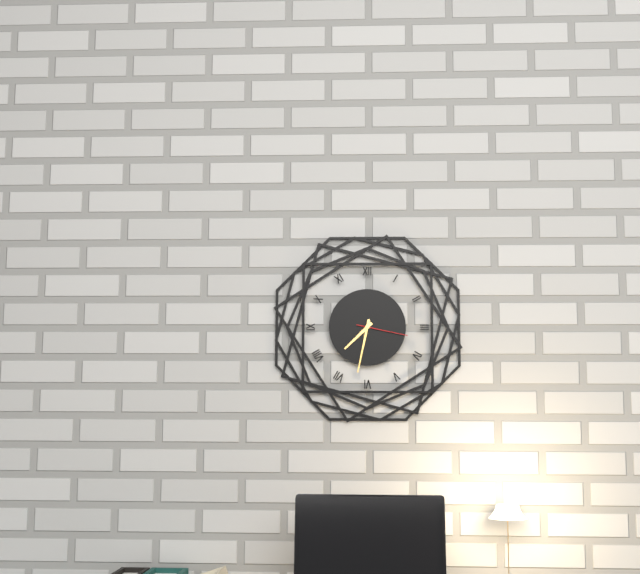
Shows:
{"hour": 7, "minute": 32, "second": 17}
